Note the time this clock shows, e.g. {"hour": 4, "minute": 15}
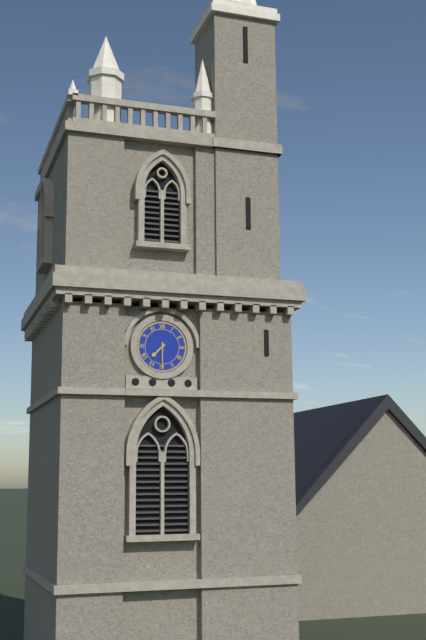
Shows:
{"hour": 7, "minute": 30}
